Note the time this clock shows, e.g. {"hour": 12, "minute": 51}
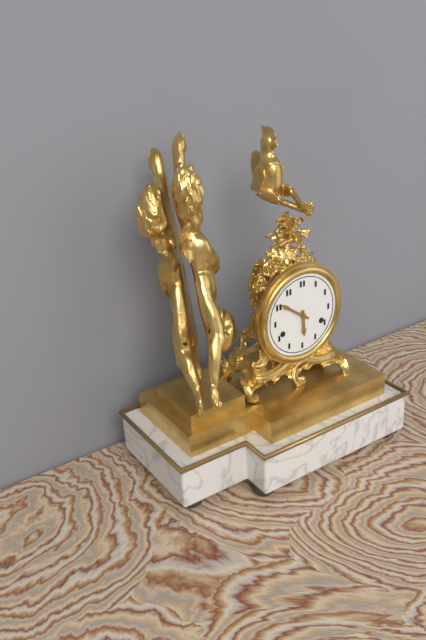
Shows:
{"hour": 5, "minute": 51}
